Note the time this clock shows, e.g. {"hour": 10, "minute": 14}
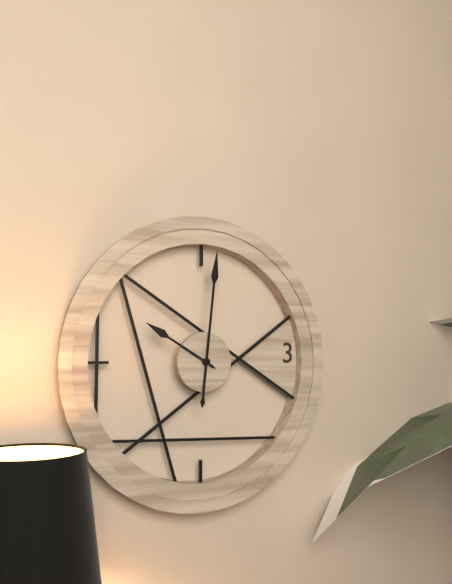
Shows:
{"hour": 10, "minute": 1}
